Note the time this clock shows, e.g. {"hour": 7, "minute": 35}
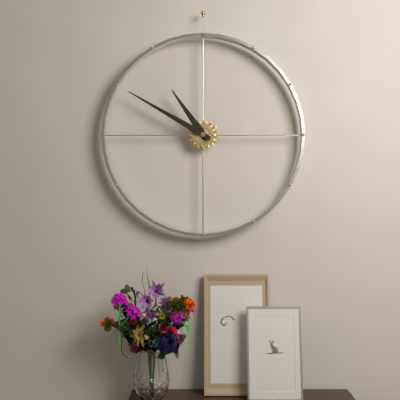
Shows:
{"hour": 10, "minute": 50}
